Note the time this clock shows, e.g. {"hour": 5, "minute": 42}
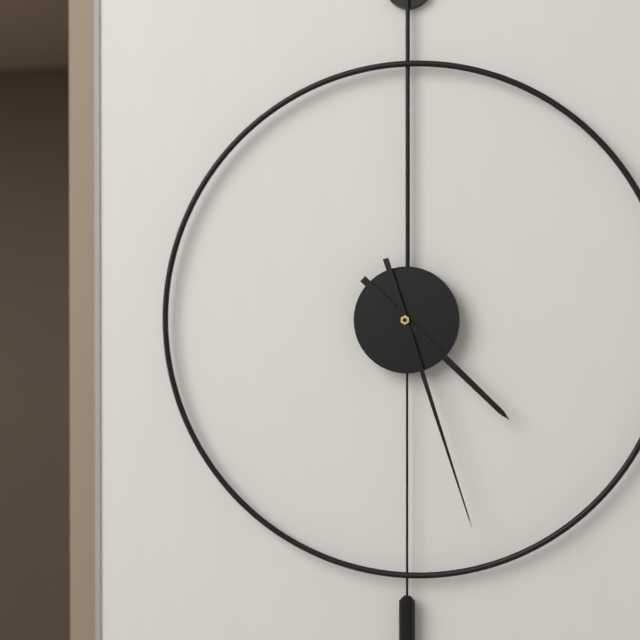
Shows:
{"hour": 4, "minute": 27}
